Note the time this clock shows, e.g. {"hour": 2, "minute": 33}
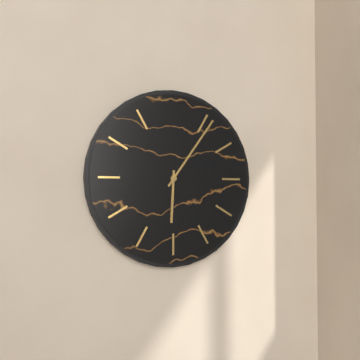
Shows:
{"hour": 6, "minute": 6}
